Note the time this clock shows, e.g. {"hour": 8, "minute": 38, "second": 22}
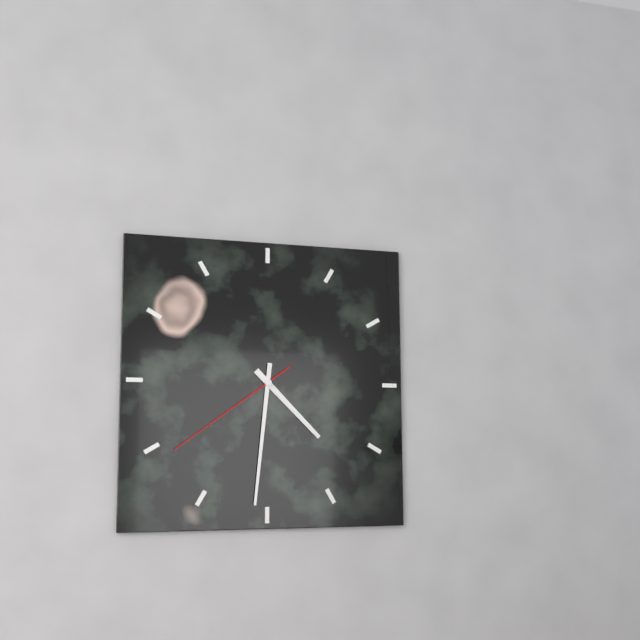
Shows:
{"hour": 4, "minute": 31, "second": 39}
